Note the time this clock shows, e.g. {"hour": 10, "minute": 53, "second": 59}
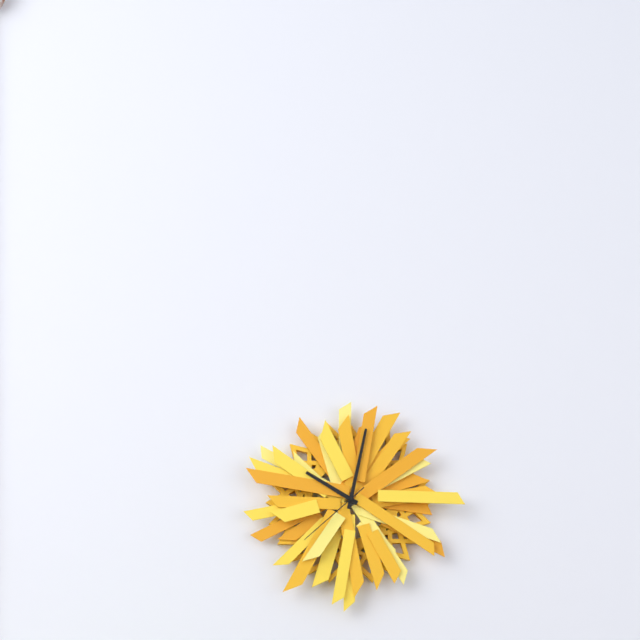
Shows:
{"hour": 10, "minute": 2, "second": 38}
